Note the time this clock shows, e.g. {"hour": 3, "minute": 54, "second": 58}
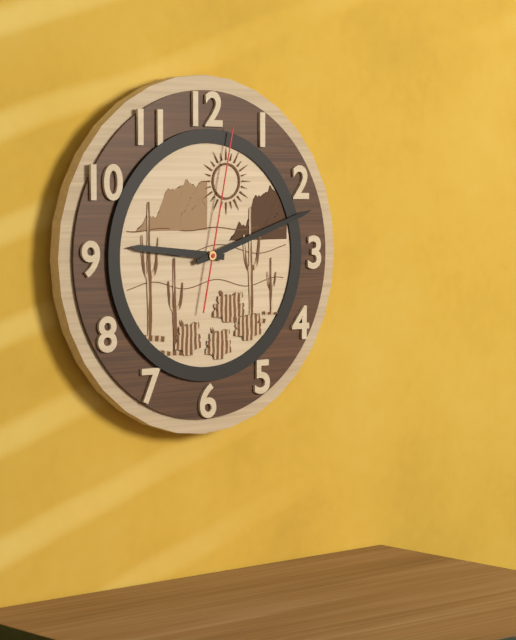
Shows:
{"hour": 9, "minute": 12, "second": 2}
